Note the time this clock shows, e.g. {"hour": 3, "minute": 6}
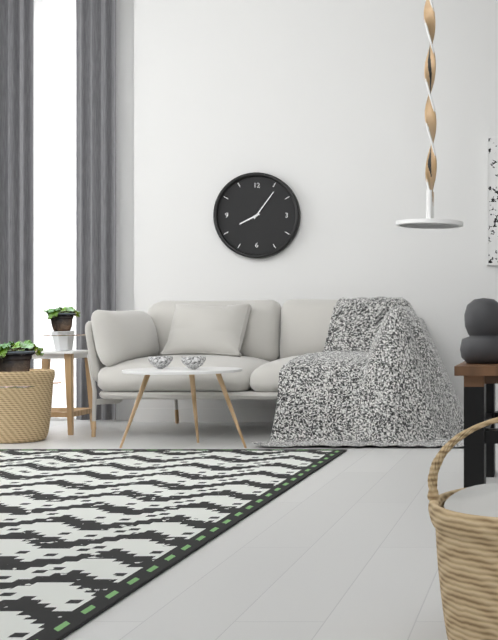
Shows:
{"hour": 8, "minute": 6}
